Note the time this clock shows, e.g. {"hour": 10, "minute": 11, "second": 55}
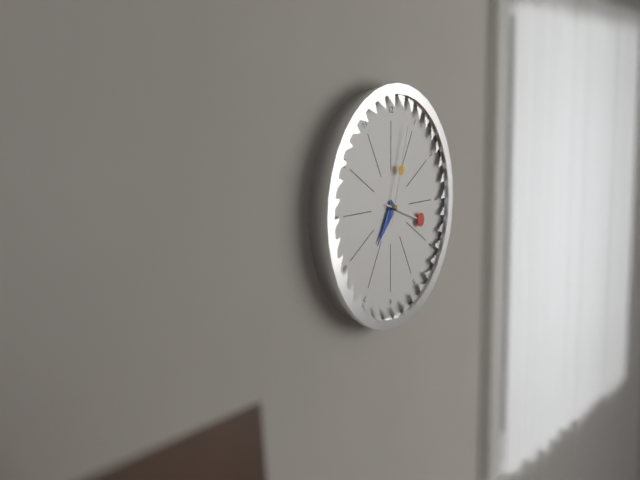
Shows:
{"hour": 7, "minute": 18, "second": 3}
